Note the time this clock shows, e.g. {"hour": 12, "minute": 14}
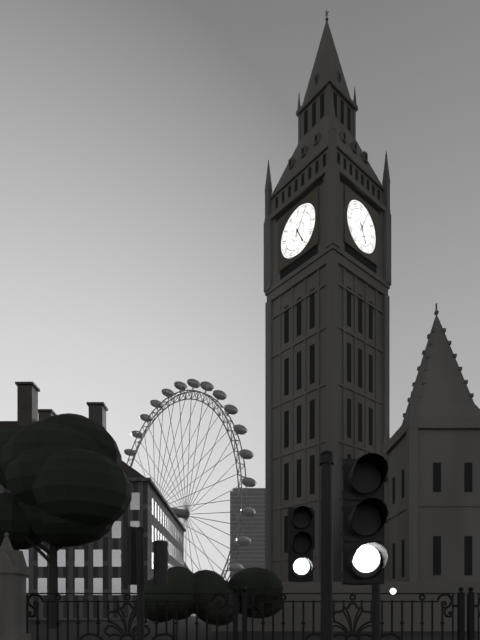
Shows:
{"hour": 5, "minute": 5}
